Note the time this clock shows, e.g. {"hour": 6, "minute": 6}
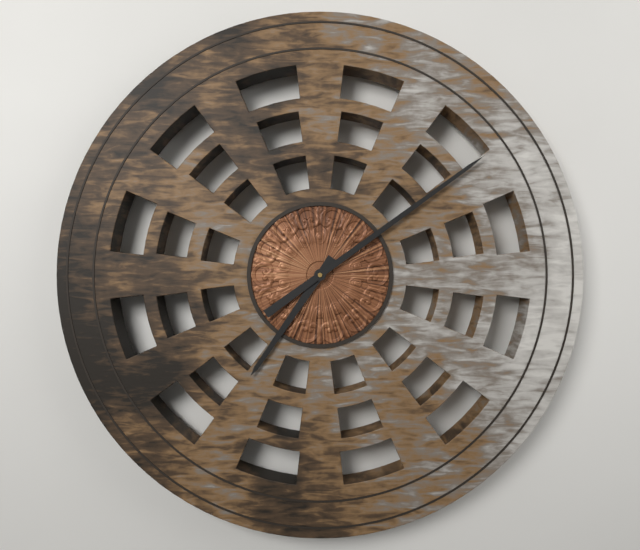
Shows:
{"hour": 7, "minute": 9}
